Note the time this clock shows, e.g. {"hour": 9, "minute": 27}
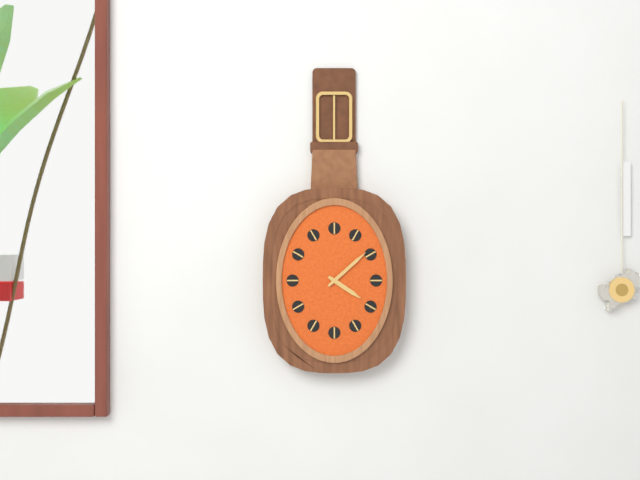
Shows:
{"hour": 4, "minute": 8}
